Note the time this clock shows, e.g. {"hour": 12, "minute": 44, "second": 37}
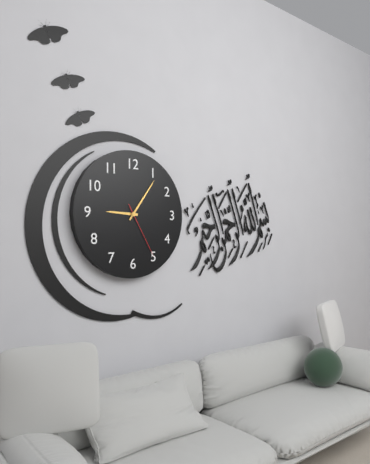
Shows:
{"hour": 9, "minute": 6, "second": 25}
